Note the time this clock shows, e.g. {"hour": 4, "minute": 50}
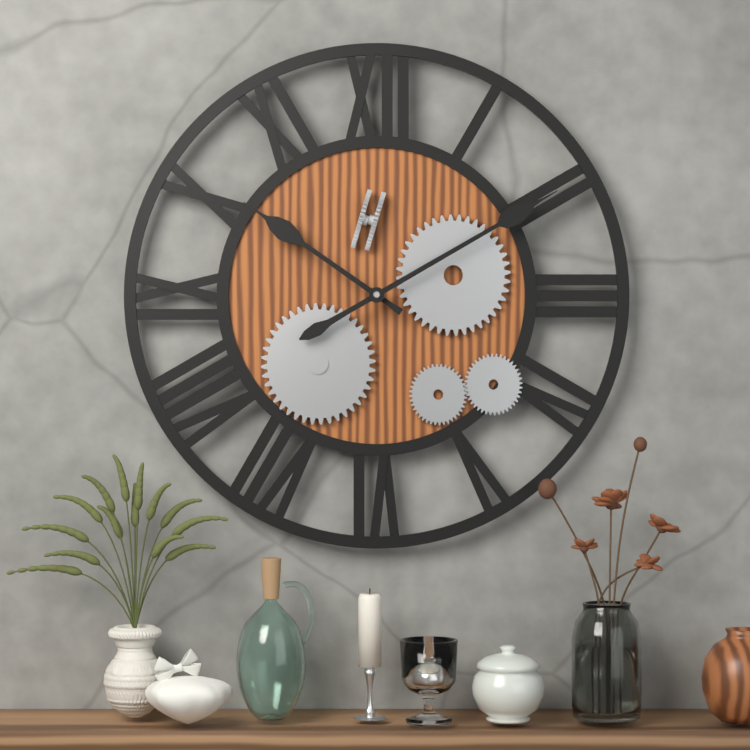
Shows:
{"hour": 10, "minute": 10}
